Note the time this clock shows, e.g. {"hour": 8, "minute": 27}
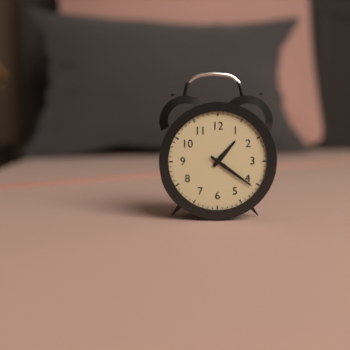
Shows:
{"hour": 1, "minute": 21}
